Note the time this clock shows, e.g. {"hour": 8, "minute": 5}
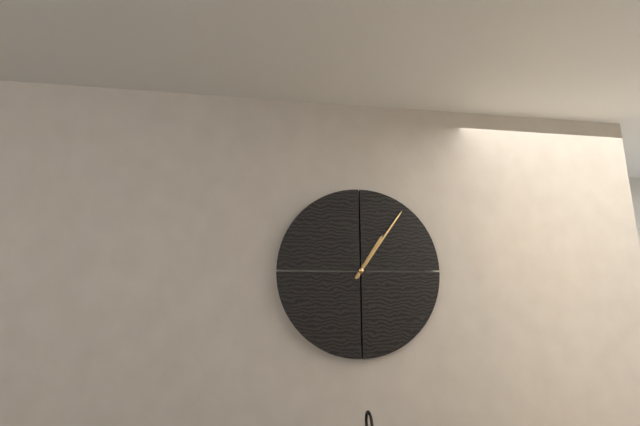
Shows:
{"hour": 1, "minute": 6}
